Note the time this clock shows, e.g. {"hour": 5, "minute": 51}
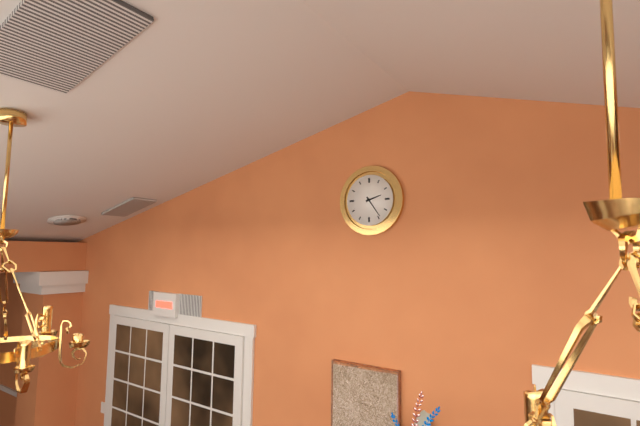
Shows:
{"hour": 2, "minute": 24}
